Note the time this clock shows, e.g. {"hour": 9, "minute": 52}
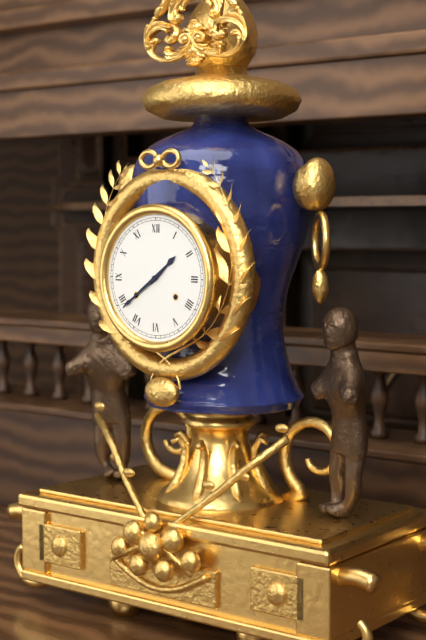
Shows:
{"hour": 1, "minute": 39}
